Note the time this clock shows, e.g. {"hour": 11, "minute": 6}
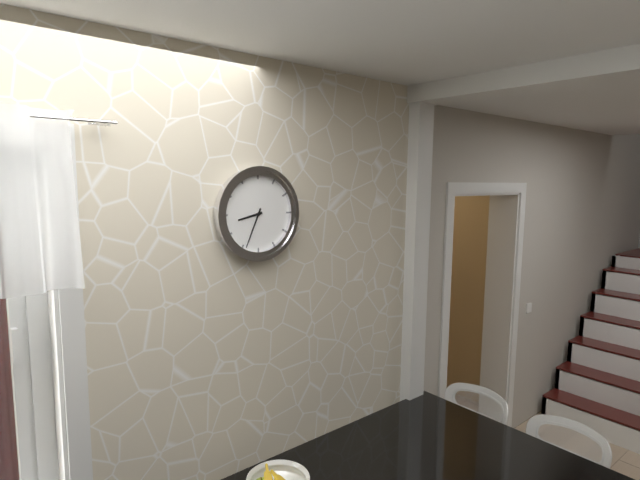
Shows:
{"hour": 8, "minute": 34}
